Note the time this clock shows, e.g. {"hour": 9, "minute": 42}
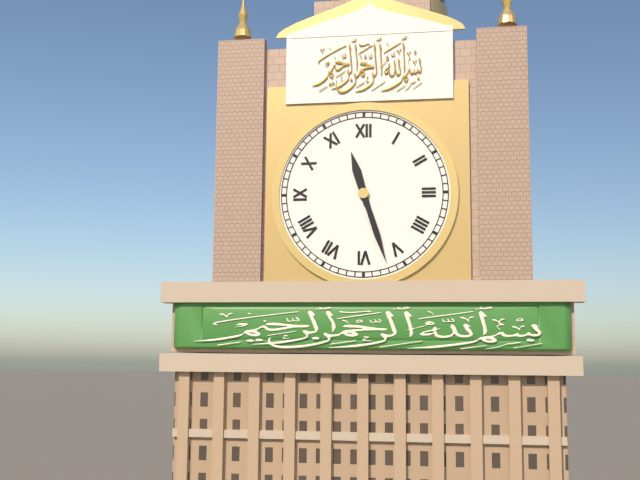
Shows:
{"hour": 11, "minute": 27}
